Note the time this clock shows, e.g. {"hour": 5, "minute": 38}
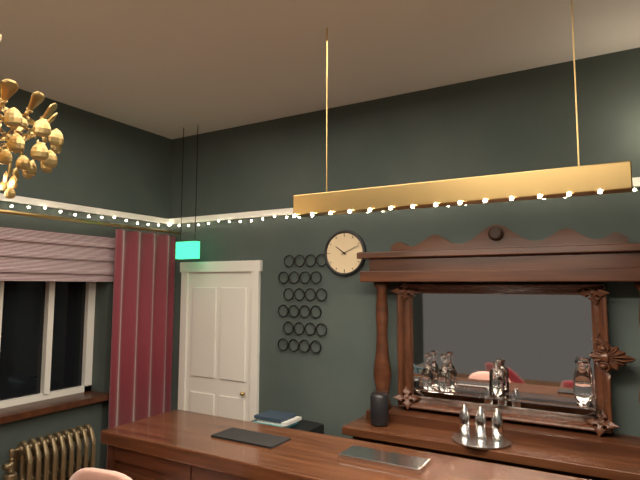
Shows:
{"hour": 10, "minute": 11}
